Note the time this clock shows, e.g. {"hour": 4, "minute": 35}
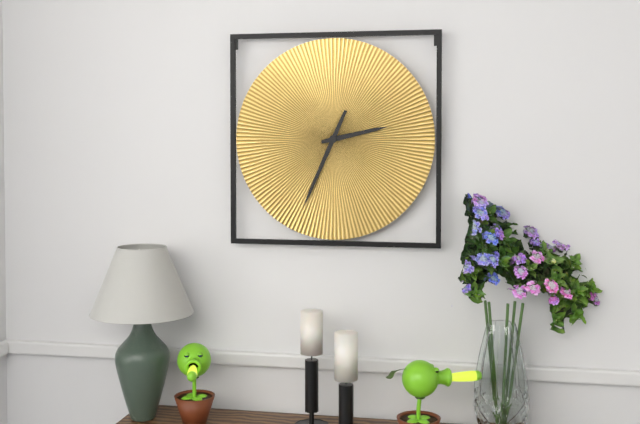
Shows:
{"hour": 2, "minute": 34}
